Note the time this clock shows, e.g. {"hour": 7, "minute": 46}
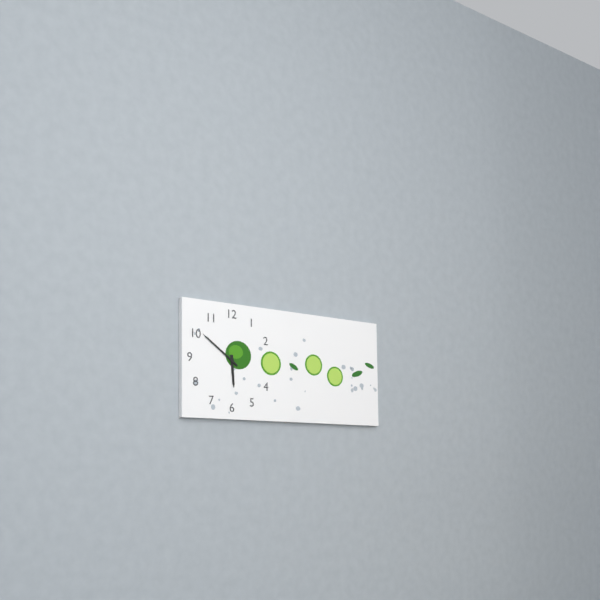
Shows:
{"hour": 5, "minute": 51}
